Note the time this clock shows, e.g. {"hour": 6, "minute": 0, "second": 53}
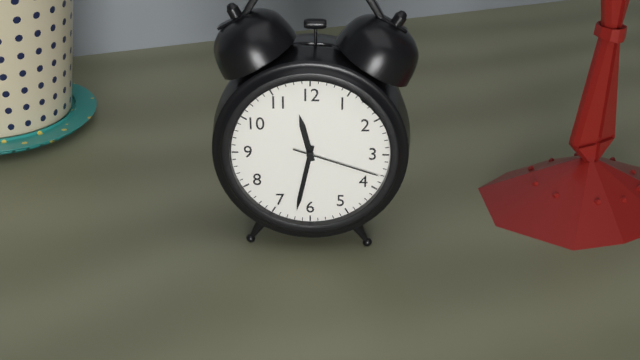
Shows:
{"hour": 11, "minute": 32, "second": 18}
